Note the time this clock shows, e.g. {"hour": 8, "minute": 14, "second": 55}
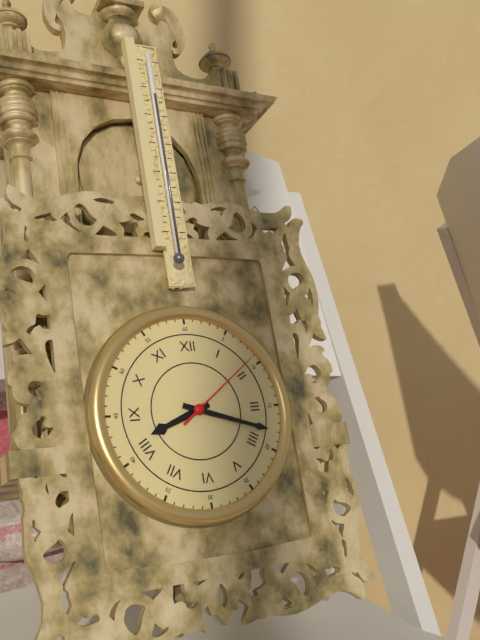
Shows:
{"hour": 8, "minute": 18, "second": 9}
